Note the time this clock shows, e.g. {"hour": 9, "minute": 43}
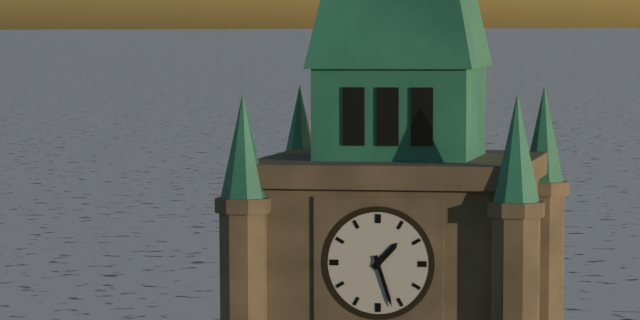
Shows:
{"hour": 1, "minute": 27}
